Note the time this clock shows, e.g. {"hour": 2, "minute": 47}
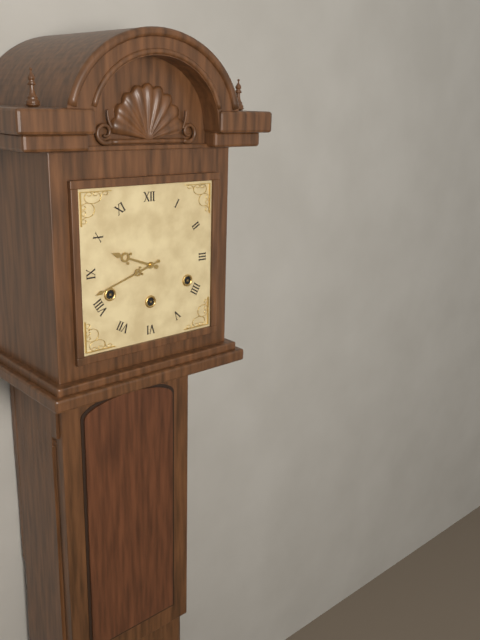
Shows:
{"hour": 9, "minute": 42}
